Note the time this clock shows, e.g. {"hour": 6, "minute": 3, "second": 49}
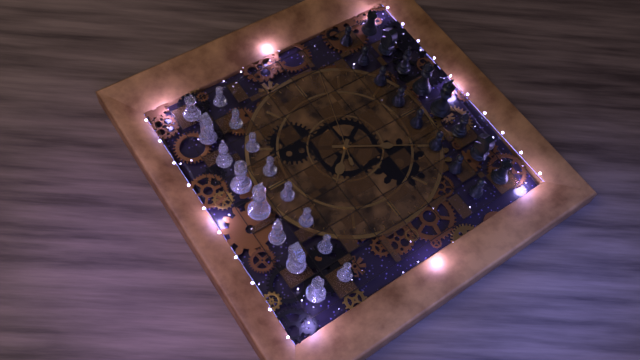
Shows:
{"hour": 10, "minute": 35, "second": 18}
